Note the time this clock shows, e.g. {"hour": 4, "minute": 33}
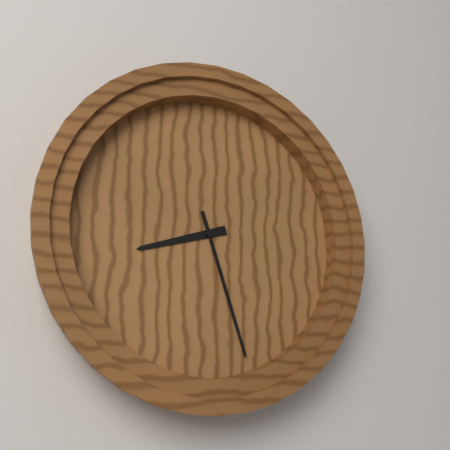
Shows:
{"hour": 8, "minute": 27}
